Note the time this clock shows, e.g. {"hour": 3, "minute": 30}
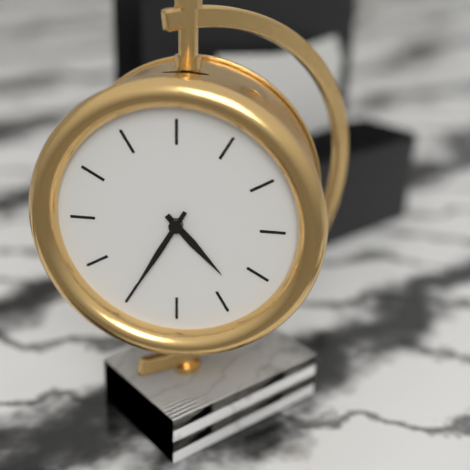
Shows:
{"hour": 4, "minute": 35}
